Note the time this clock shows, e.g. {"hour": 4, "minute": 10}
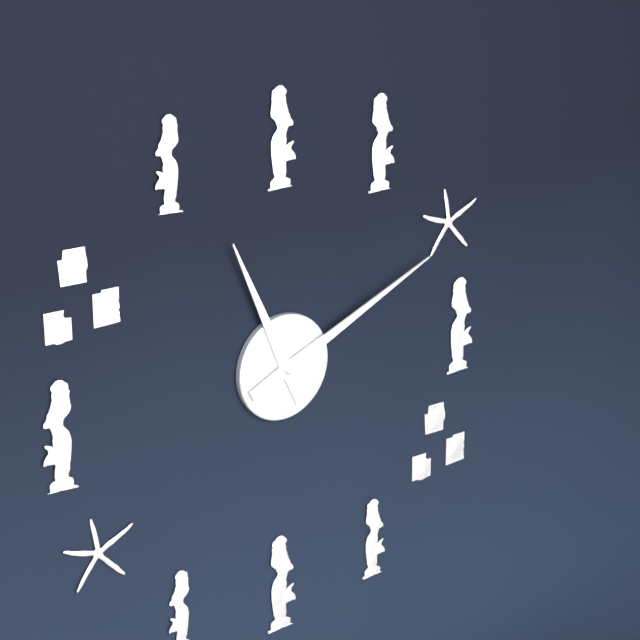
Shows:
{"hour": 11, "minute": 11}
